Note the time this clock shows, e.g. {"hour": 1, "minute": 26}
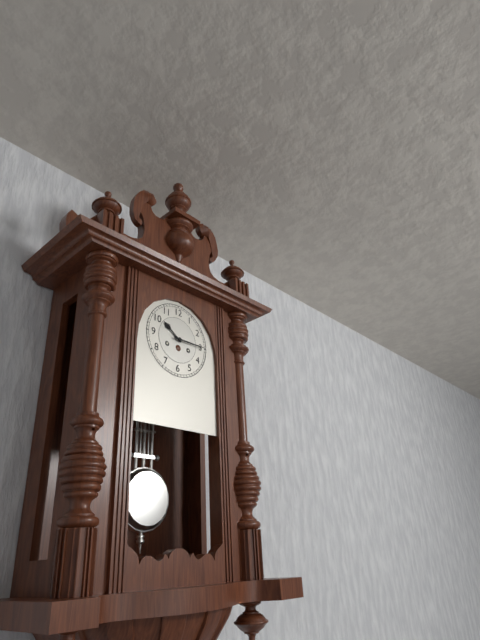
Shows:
{"hour": 10, "minute": 15}
